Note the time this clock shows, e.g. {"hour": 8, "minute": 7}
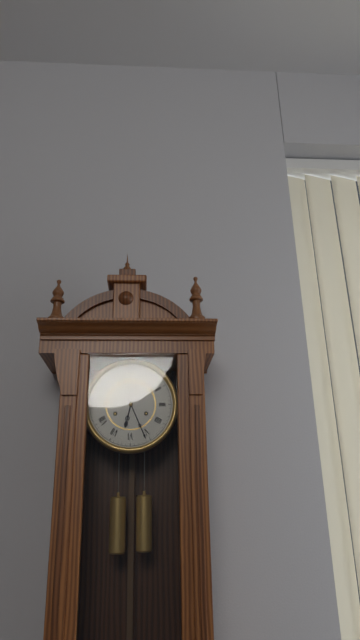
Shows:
{"hour": 6, "minute": 26}
